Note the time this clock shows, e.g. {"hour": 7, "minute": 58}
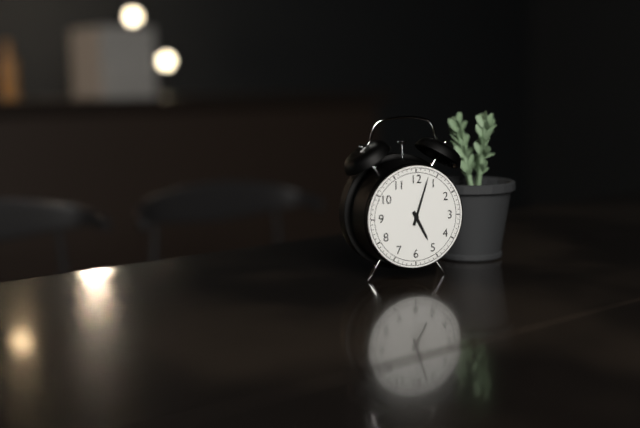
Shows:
{"hour": 5, "minute": 3}
